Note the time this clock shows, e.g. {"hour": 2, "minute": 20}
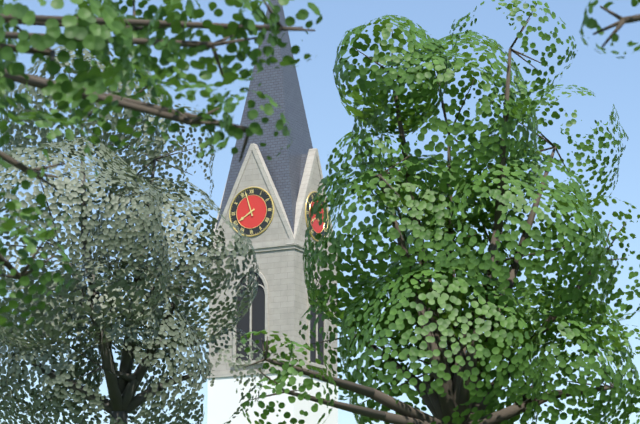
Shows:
{"hour": 7, "minute": 57}
